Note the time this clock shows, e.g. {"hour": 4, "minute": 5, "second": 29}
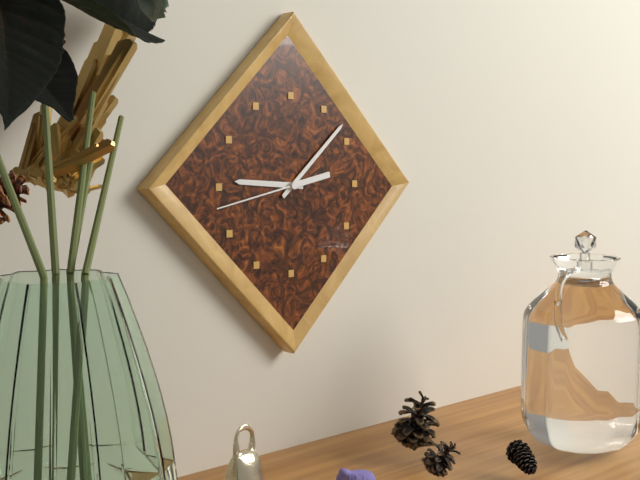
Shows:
{"hour": 9, "minute": 8, "second": 43}
